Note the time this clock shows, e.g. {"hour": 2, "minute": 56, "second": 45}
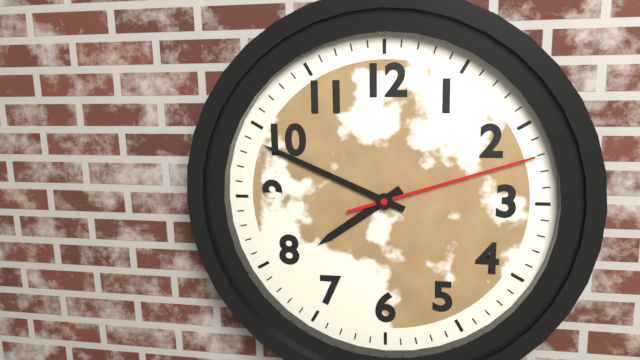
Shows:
{"hour": 7, "minute": 49, "second": 12}
